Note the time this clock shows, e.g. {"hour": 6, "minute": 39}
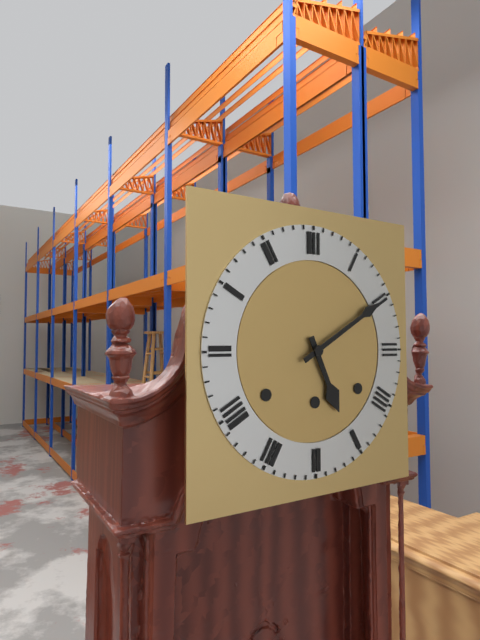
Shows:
{"hour": 5, "minute": 10}
